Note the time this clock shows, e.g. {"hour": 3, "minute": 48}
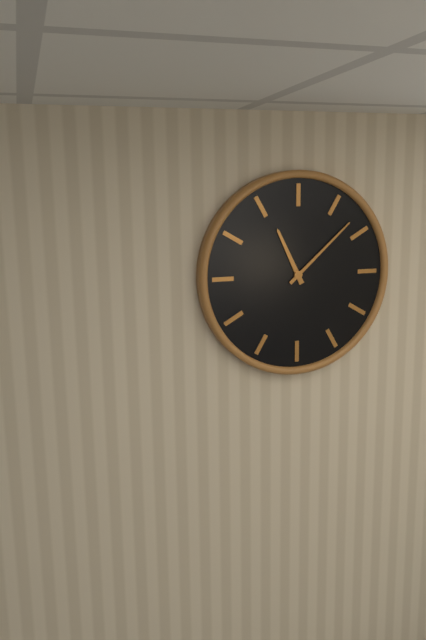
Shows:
{"hour": 11, "minute": 8}
